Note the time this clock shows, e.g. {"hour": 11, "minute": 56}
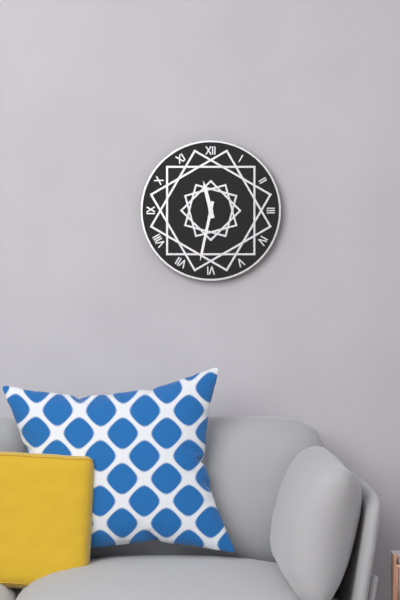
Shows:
{"hour": 11, "minute": 32}
